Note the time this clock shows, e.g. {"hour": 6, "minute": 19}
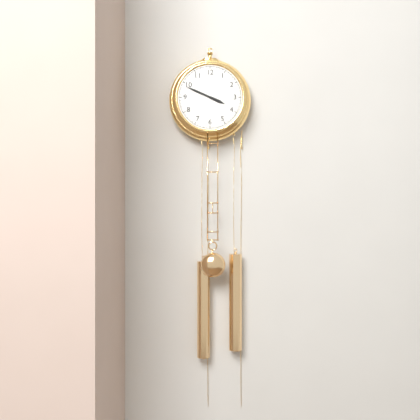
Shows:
{"hour": 3, "minute": 49}
